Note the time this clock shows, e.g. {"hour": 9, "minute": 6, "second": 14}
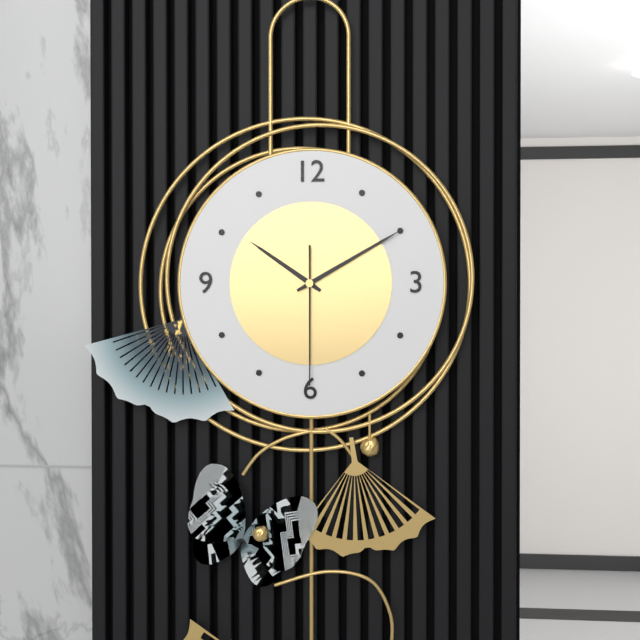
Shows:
{"hour": 10, "minute": 10, "second": 30}
